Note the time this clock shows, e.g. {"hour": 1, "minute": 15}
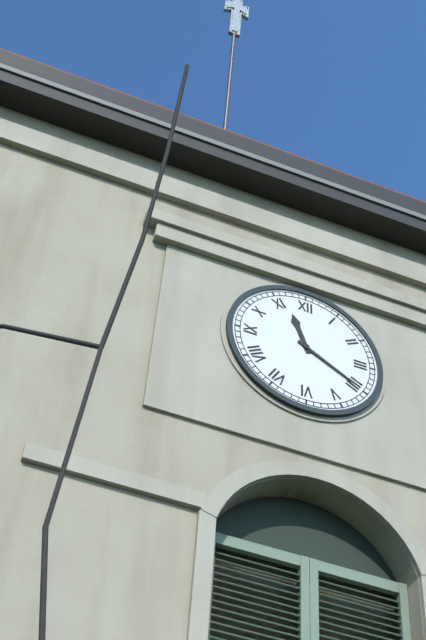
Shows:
{"hour": 11, "minute": 20}
